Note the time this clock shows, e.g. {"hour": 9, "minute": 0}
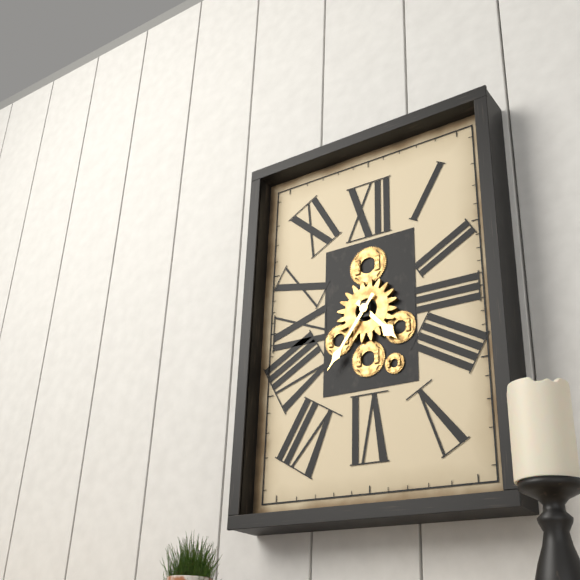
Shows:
{"hour": 4, "minute": 36}
